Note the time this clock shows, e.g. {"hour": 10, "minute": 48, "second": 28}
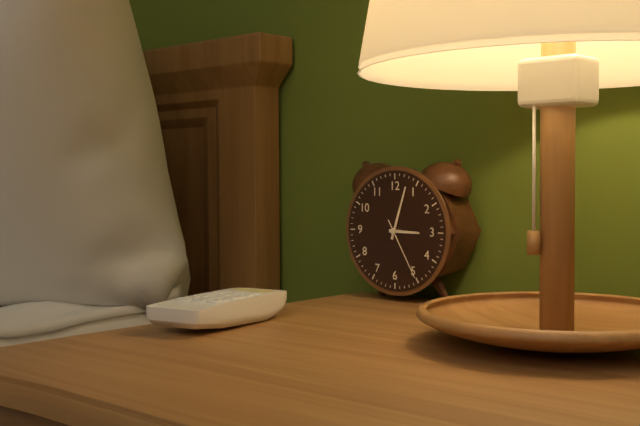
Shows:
{"hour": 3, "minute": 3, "second": 25}
